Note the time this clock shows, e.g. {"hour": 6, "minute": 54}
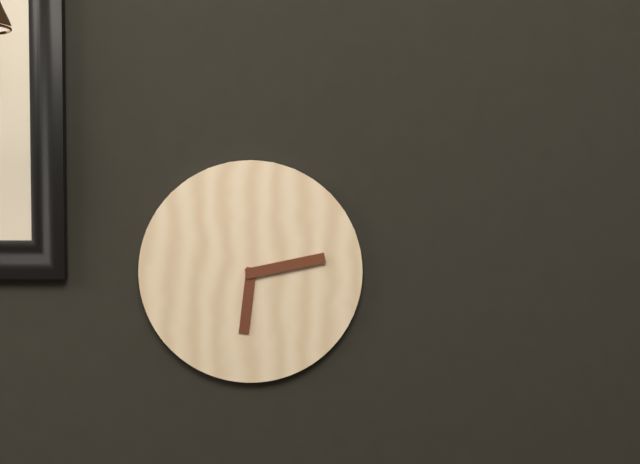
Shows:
{"hour": 6, "minute": 13}
